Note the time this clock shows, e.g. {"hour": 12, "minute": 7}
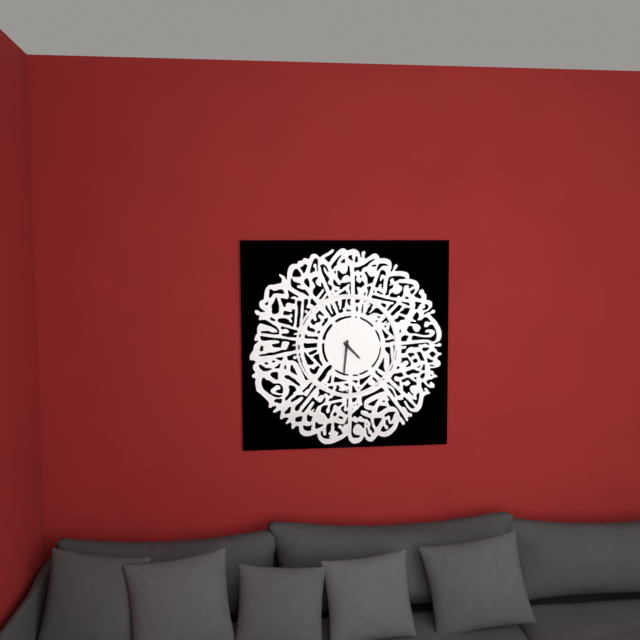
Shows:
{"hour": 4, "minute": 31}
